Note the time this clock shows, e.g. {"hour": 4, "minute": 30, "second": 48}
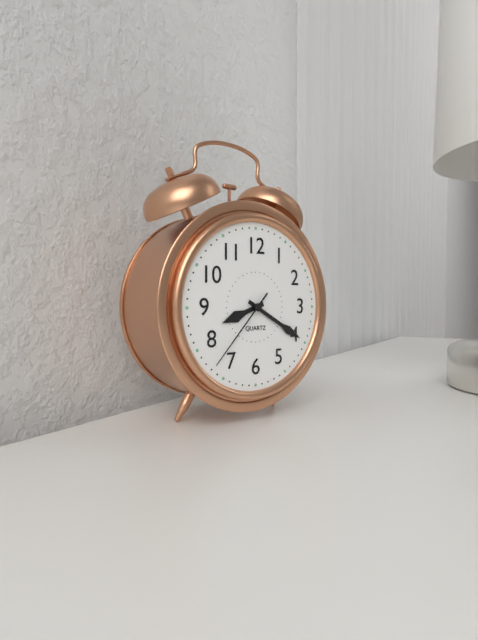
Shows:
{"hour": 8, "minute": 20, "second": 37}
